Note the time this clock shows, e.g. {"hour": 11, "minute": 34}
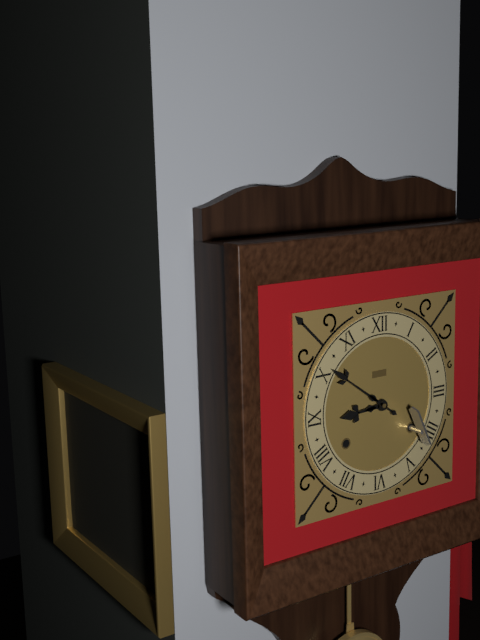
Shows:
{"hour": 8, "minute": 51}
